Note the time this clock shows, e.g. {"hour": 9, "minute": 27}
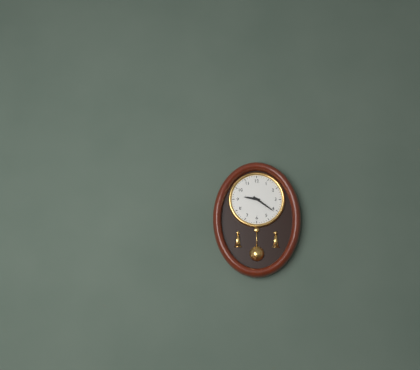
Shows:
{"hour": 9, "minute": 21}
